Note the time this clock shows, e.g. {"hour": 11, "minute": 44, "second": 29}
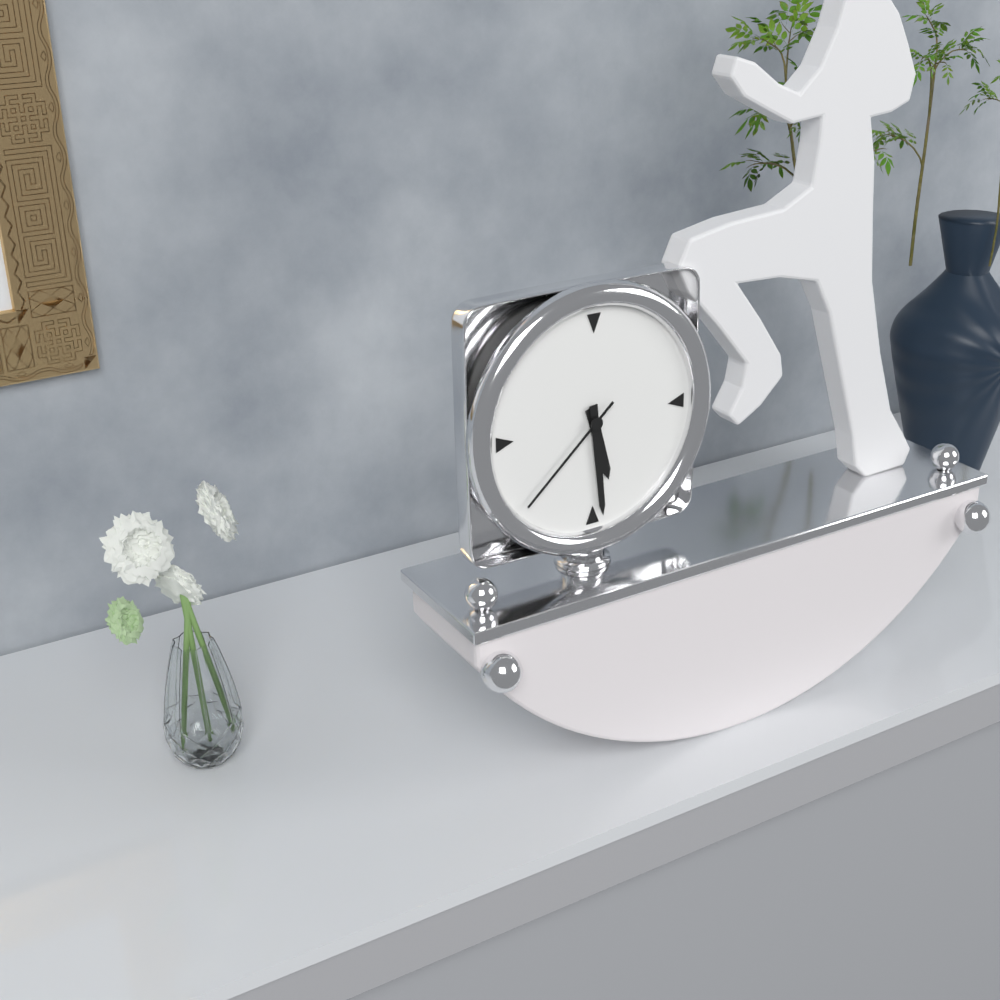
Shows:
{"hour": 5, "minute": 29, "second": 38}
